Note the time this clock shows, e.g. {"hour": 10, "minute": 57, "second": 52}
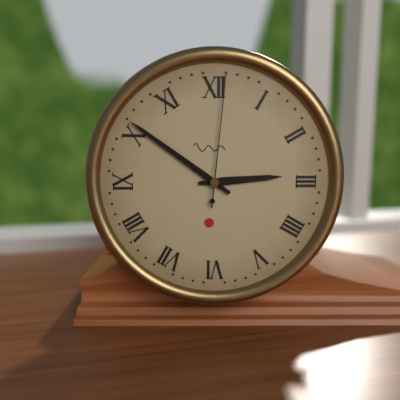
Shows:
{"hour": 2, "minute": 51, "second": 1}
